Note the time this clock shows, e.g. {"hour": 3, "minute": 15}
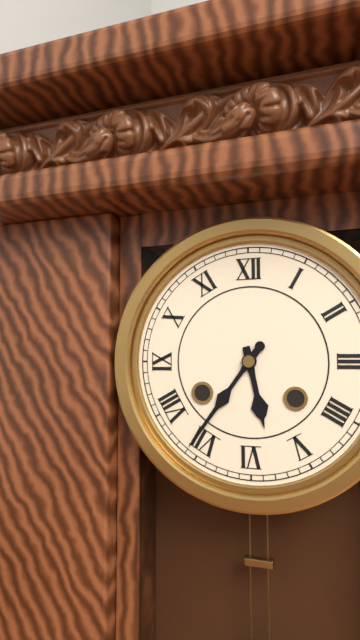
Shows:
{"hour": 5, "minute": 36}
